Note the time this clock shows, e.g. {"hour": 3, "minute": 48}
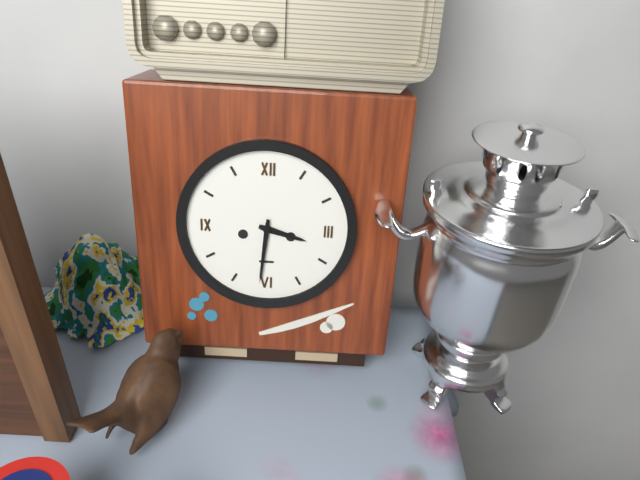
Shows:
{"hour": 3, "minute": 31}
